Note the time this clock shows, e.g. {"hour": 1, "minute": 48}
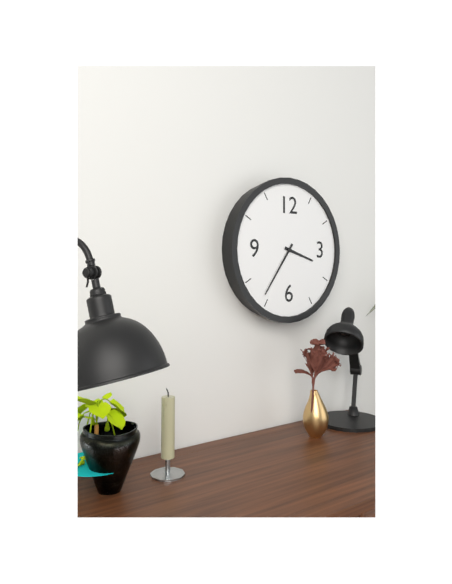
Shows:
{"hour": 3, "minute": 36}
